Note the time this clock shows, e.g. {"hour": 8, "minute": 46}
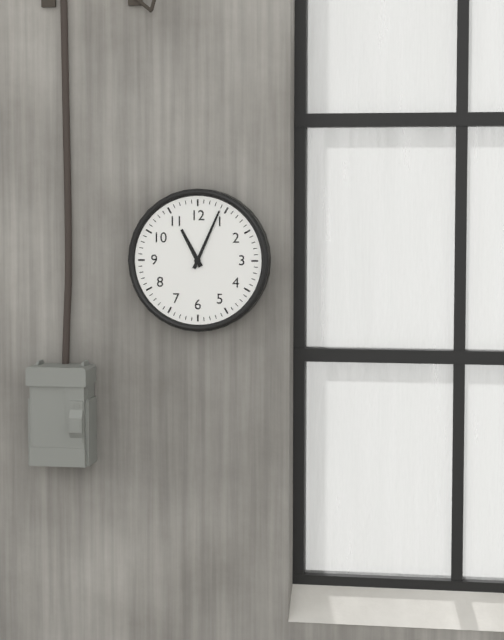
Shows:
{"hour": 11, "minute": 4}
